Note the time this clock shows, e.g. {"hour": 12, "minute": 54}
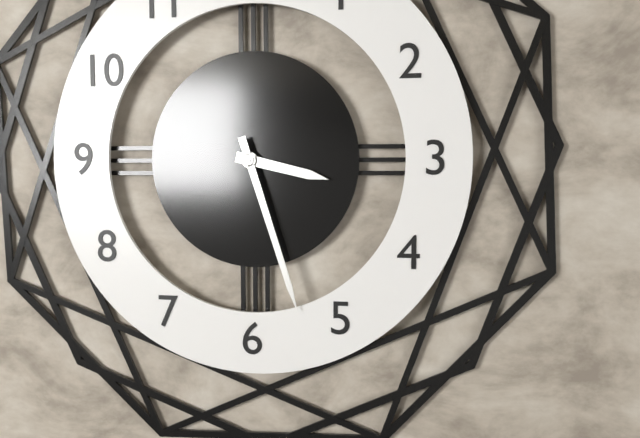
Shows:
{"hour": 3, "minute": 27}
